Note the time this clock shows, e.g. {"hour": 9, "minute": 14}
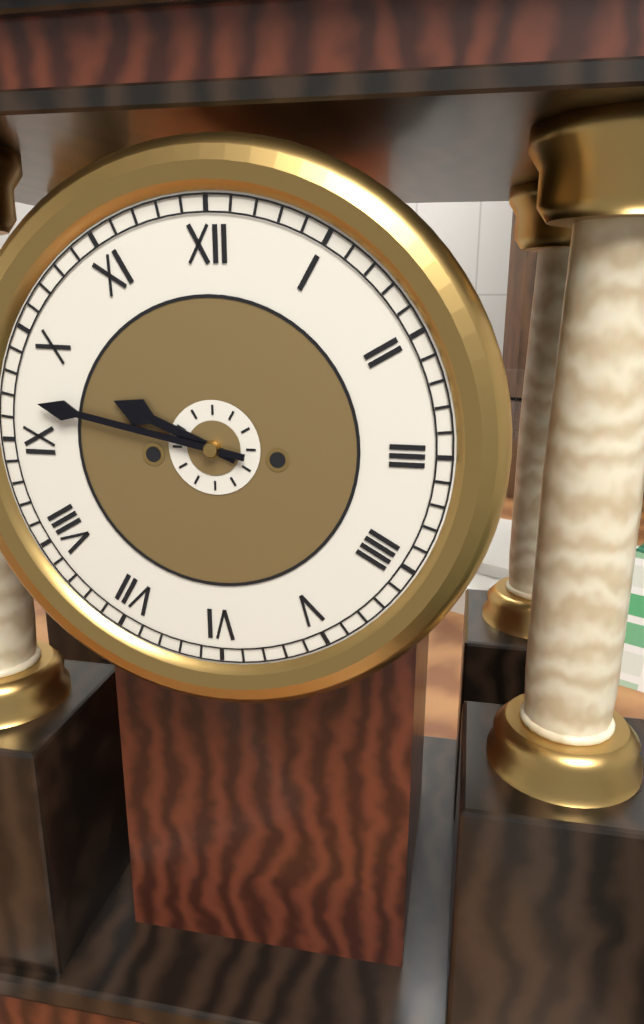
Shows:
{"hour": 9, "minute": 47}
